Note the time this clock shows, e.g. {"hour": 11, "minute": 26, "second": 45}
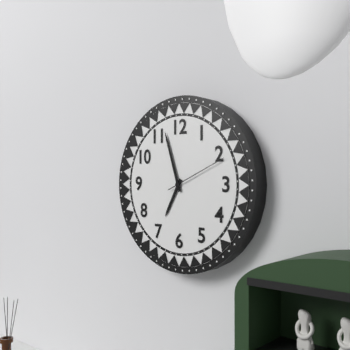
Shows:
{"hour": 6, "minute": 57, "second": 11}
